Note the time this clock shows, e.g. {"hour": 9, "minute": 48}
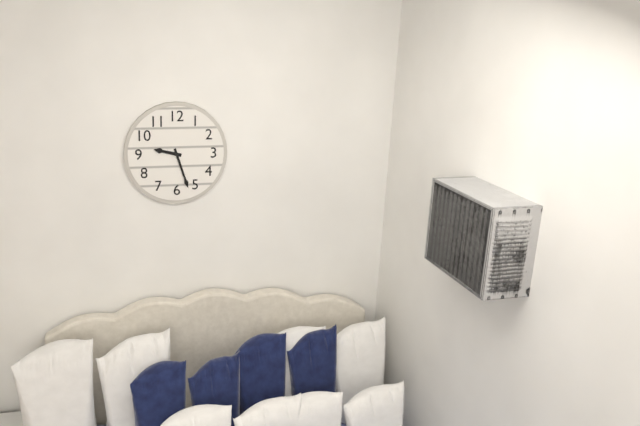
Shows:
{"hour": 9, "minute": 27}
